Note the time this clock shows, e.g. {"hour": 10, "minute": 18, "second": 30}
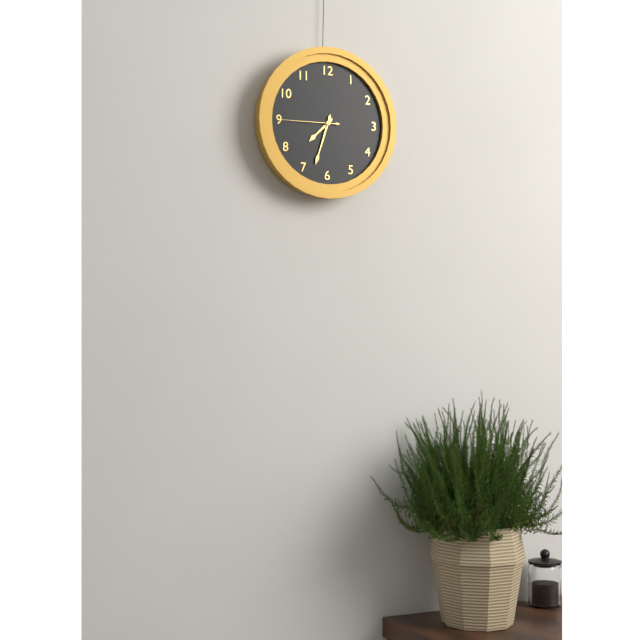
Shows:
{"hour": 7, "minute": 33, "second": 45}
